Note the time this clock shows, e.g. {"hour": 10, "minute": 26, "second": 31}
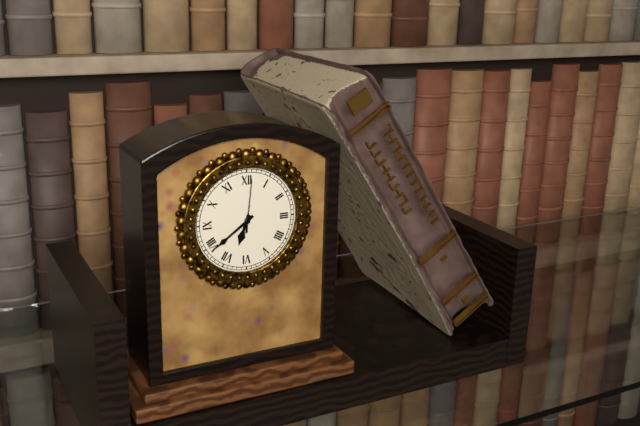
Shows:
{"hour": 6, "minute": 39, "second": 1}
